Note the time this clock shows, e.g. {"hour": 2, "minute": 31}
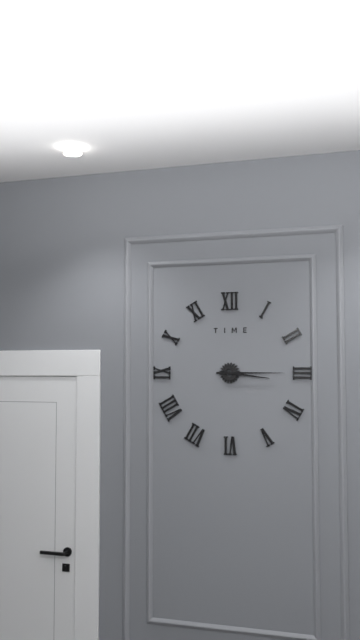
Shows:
{"hour": 3, "minute": 15}
